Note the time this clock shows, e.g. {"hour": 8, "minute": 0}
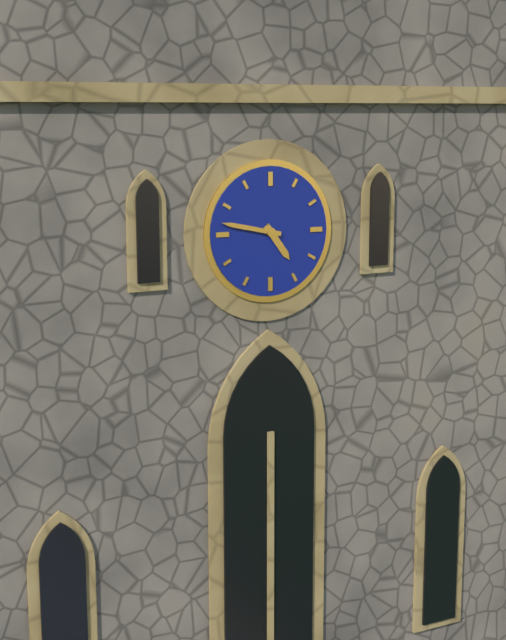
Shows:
{"hour": 4, "minute": 47}
